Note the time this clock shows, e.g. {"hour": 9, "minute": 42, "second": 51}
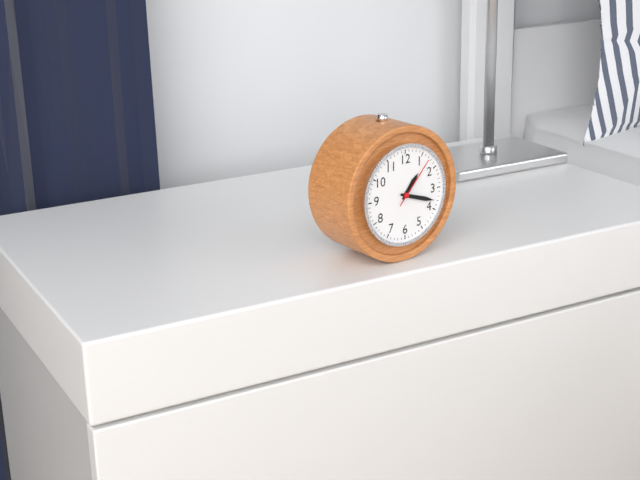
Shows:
{"hour": 1, "minute": 18, "second": 7}
